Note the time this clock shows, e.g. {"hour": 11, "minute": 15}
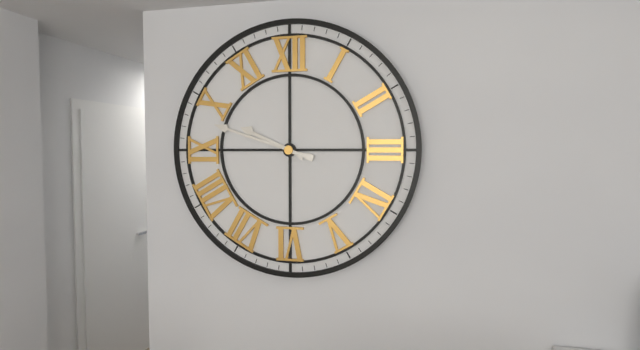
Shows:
{"hour": 9, "minute": 48}
